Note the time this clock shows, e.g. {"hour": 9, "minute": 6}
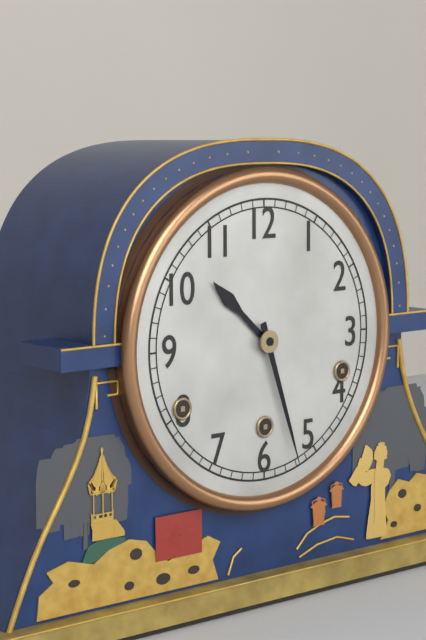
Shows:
{"hour": 10, "minute": 27}
